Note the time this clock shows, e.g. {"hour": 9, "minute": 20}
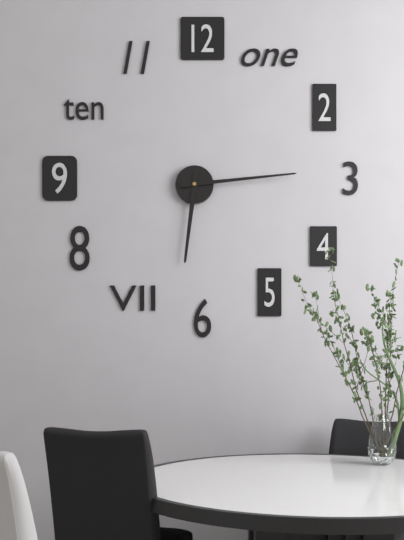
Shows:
{"hour": 6, "minute": 14}
